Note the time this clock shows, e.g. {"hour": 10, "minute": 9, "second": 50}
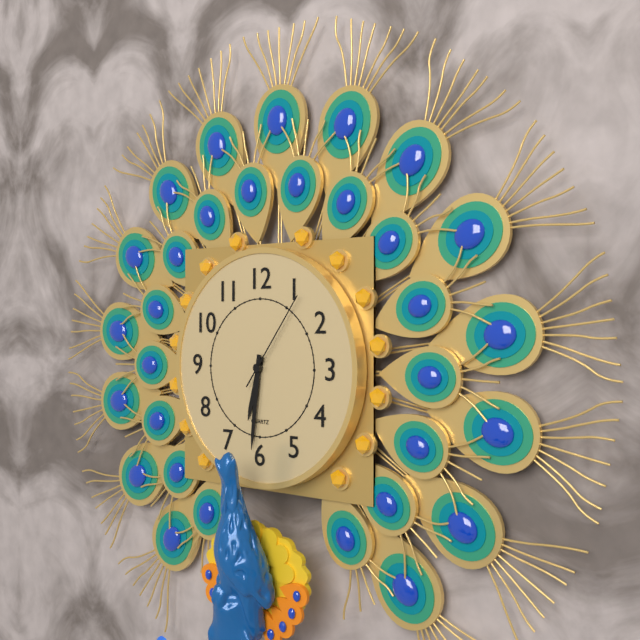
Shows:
{"hour": 6, "minute": 31, "second": 6}
